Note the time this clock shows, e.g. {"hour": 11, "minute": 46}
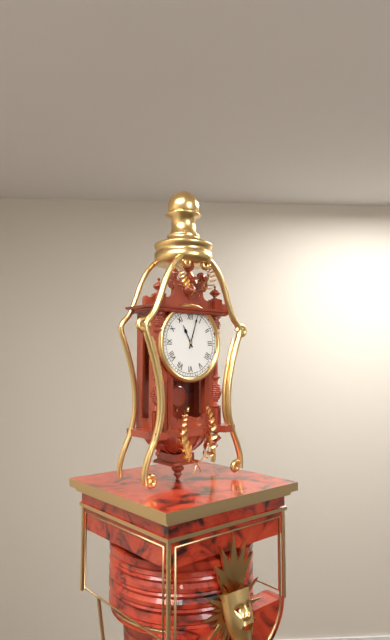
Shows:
{"hour": 11, "minute": 3}
